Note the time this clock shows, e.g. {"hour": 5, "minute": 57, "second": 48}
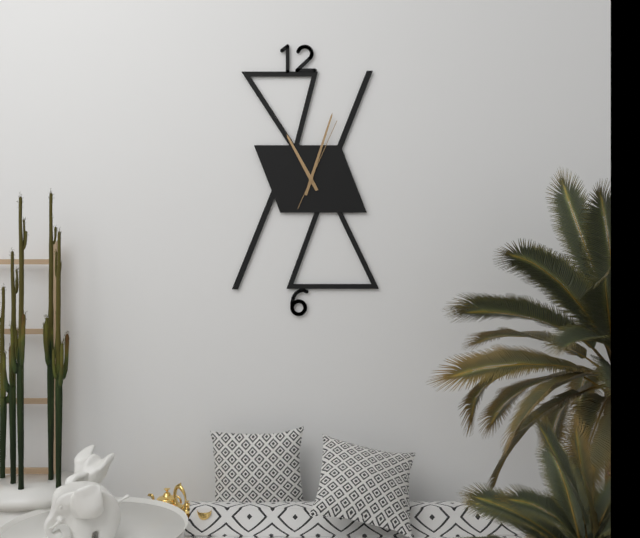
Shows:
{"hour": 11, "minute": 3, "second": 4}
